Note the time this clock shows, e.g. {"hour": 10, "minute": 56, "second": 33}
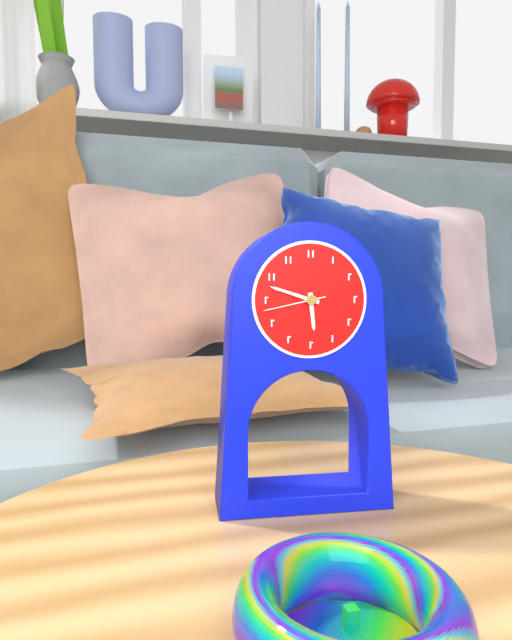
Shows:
{"hour": 5, "minute": 48, "second": 43}
